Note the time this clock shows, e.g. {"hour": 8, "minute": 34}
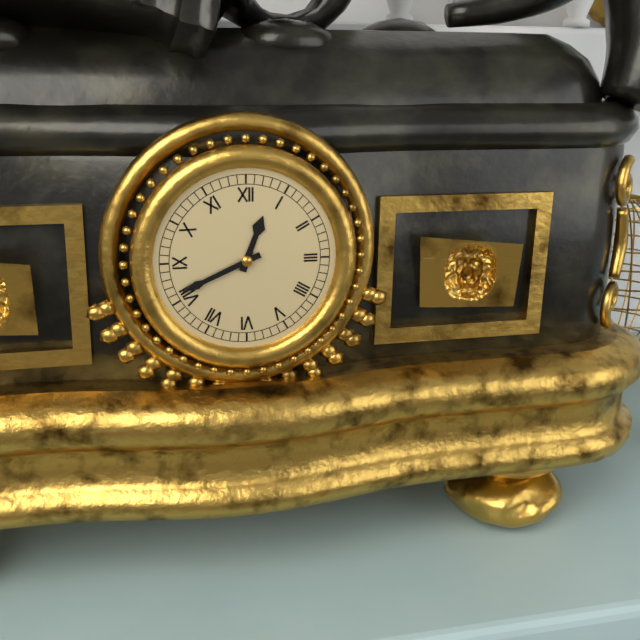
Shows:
{"hour": 12, "minute": 41}
